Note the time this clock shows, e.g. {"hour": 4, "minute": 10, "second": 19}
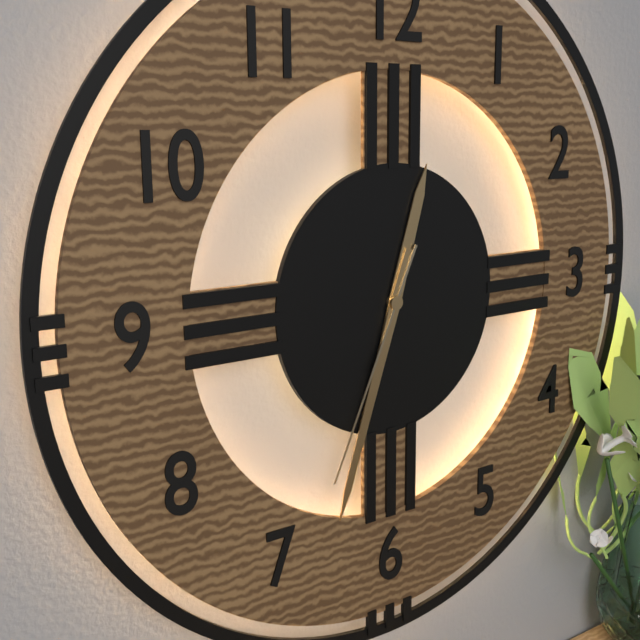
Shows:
{"hour": 12, "minute": 33, "second": 34}
